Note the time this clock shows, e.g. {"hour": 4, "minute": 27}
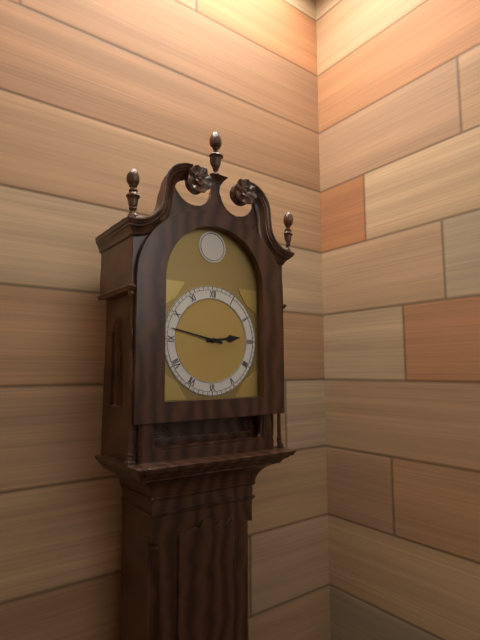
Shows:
{"hour": 2, "minute": 47}
